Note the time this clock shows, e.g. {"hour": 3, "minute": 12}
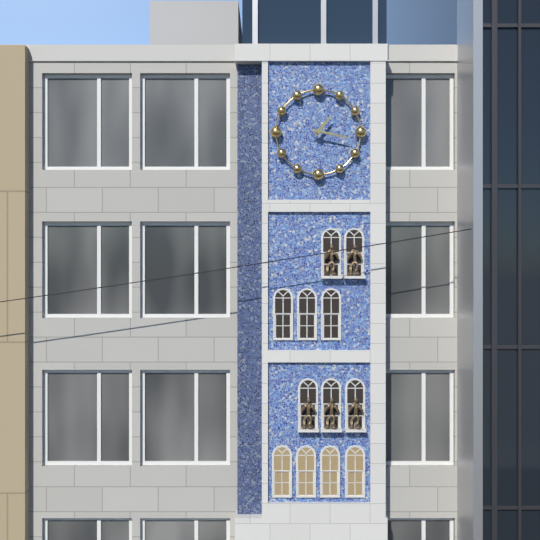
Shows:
{"hour": 1, "minute": 17}
